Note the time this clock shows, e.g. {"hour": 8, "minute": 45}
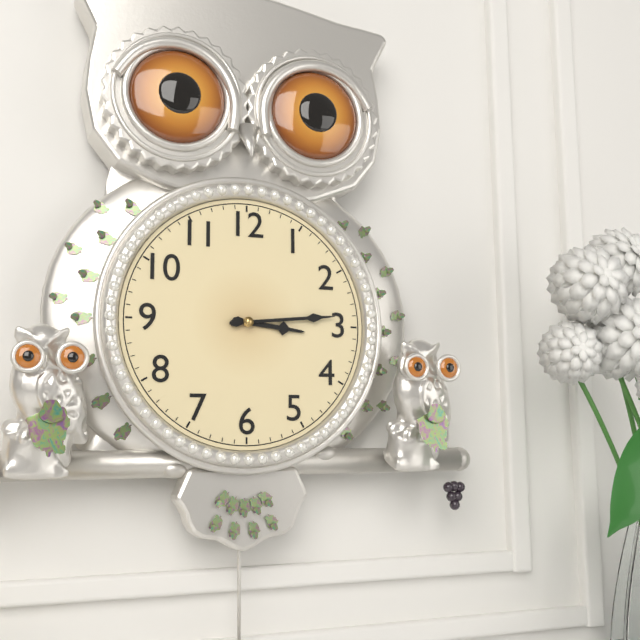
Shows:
{"hour": 3, "minute": 14}
